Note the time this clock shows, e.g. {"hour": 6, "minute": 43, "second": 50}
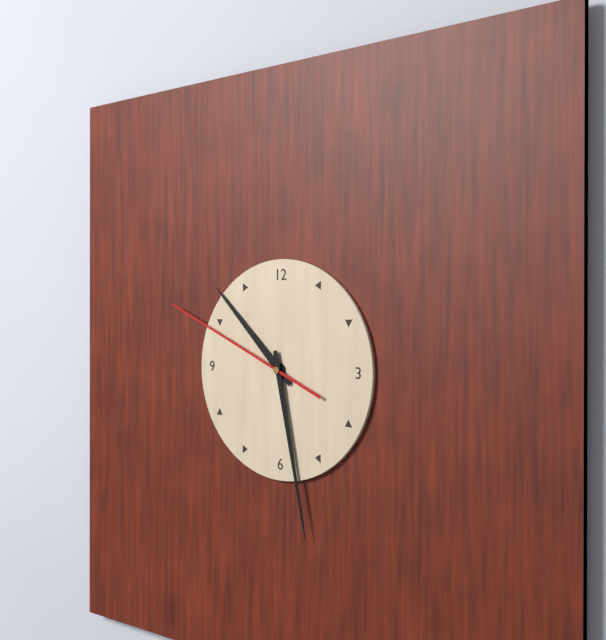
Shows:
{"hour": 10, "minute": 28, "second": 49}
